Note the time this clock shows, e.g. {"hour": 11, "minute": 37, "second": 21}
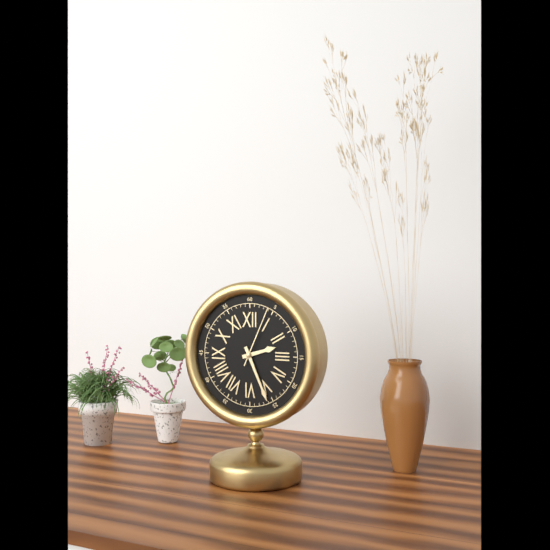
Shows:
{"hour": 2, "minute": 26, "second": 4}
